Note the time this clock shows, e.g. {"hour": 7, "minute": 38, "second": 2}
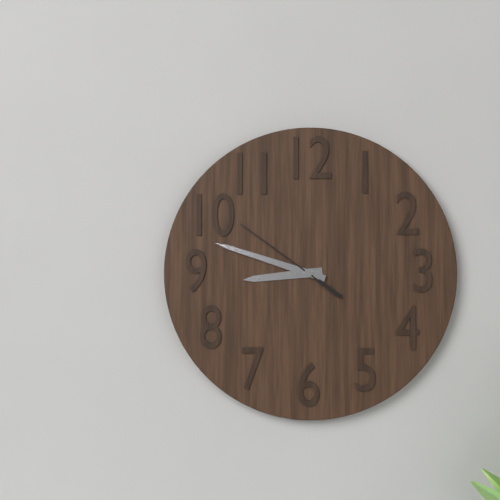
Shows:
{"hour": 8, "minute": 48, "second": 51}
